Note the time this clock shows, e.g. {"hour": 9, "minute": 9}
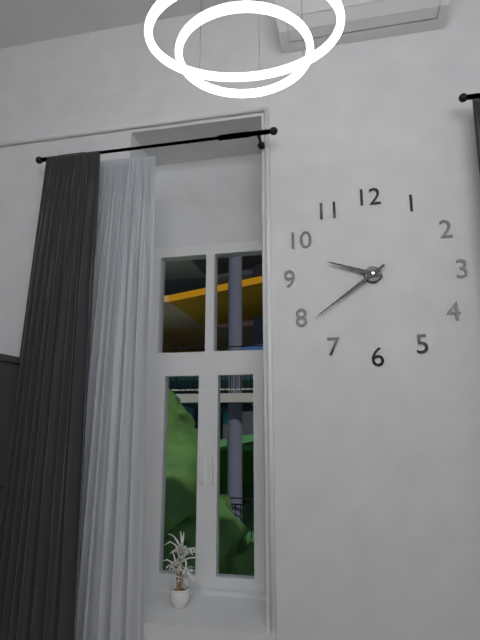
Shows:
{"hour": 9, "minute": 39}
